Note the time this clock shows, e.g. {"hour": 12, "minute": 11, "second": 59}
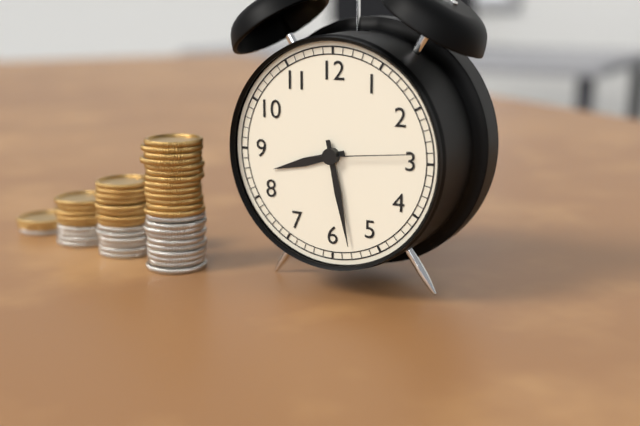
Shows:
{"hour": 8, "minute": 28, "second": 14}
